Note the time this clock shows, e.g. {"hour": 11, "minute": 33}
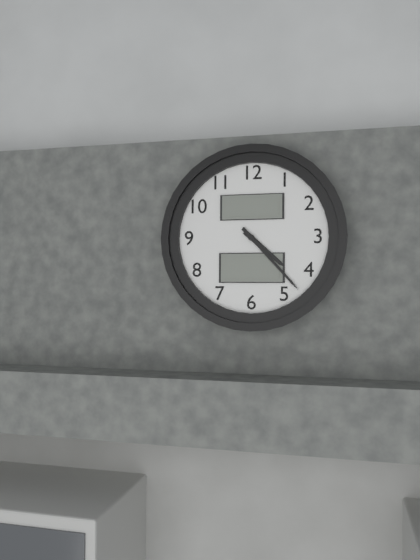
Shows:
{"hour": 4, "minute": 23}
